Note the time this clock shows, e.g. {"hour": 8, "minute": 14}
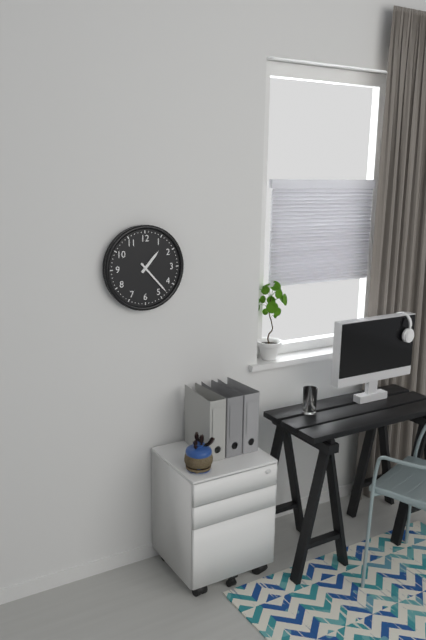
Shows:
{"hour": 1, "minute": 23}
